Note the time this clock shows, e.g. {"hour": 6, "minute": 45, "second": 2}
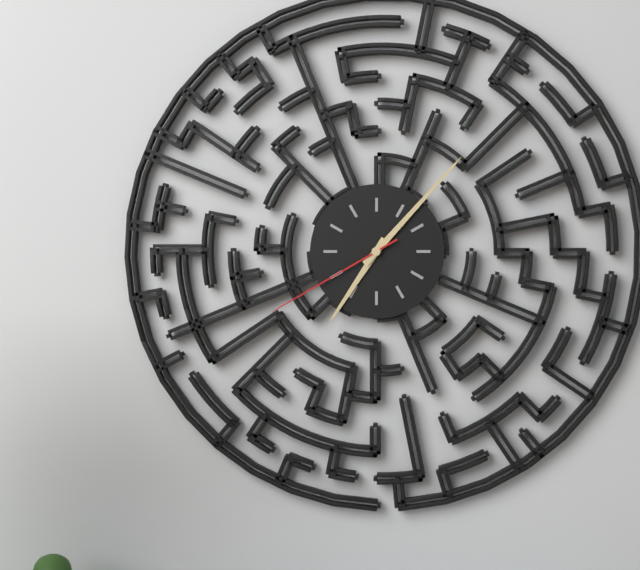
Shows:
{"hour": 7, "minute": 7, "second": 40}
